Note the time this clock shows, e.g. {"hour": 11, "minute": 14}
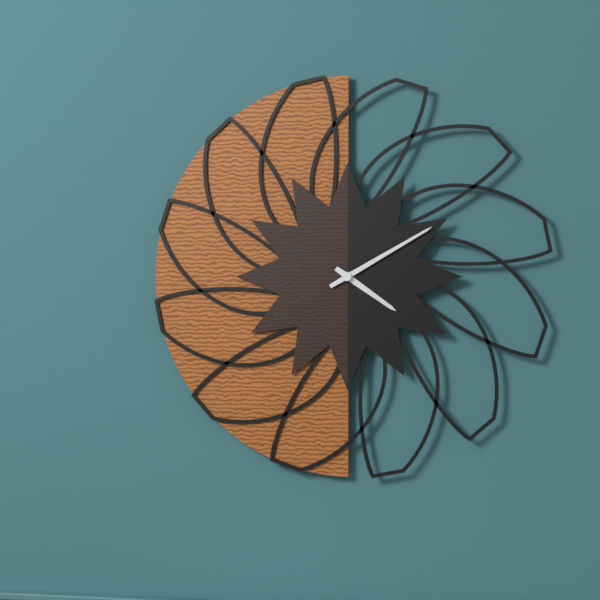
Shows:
{"hour": 4, "minute": 10}
